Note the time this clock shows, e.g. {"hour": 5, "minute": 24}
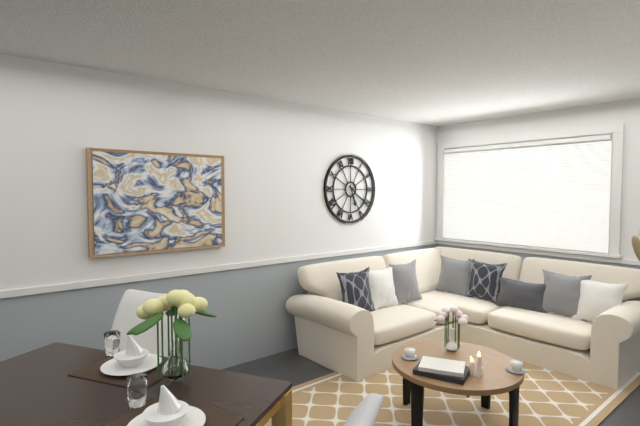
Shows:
{"hour": 5, "minute": 21}
